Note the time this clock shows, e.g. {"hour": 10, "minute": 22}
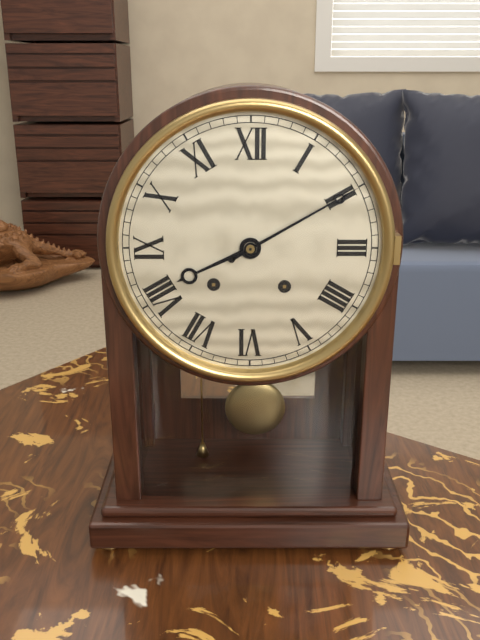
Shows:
{"hour": 8, "minute": 10}
